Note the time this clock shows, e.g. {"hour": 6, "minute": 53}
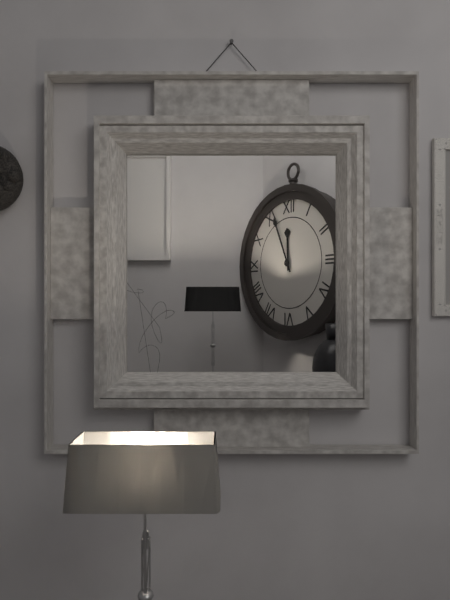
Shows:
{"hour": 11, "minute": 56}
